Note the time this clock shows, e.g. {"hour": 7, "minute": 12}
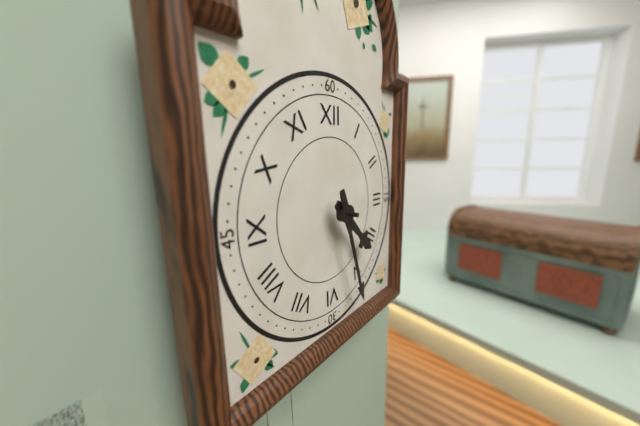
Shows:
{"hour": 4, "minute": 27}
